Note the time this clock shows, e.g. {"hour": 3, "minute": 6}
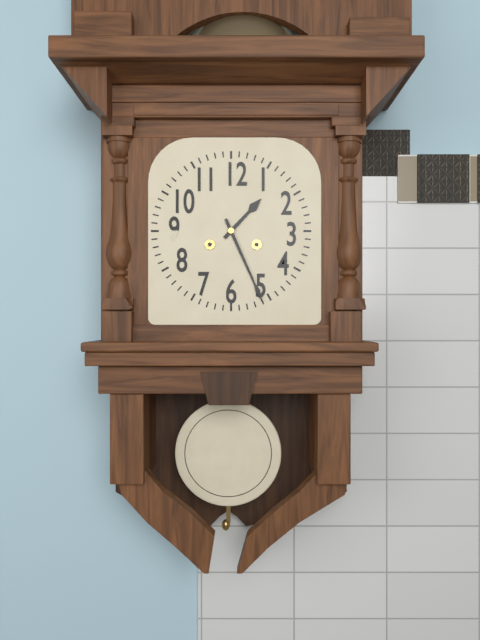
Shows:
{"hour": 1, "minute": 26}
